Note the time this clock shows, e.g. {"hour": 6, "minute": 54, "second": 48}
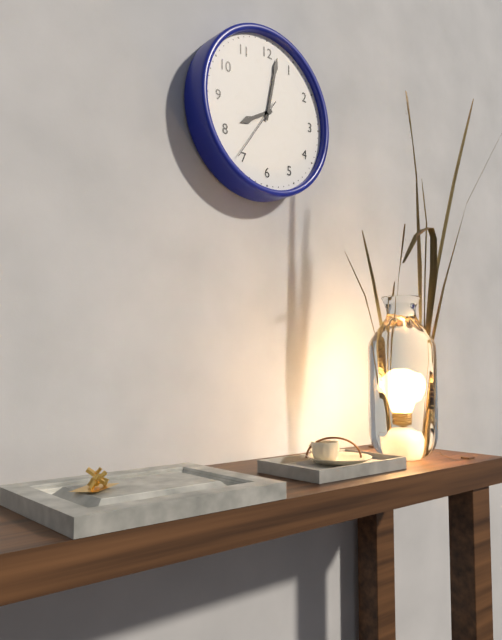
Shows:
{"hour": 8, "minute": 2, "second": 36}
